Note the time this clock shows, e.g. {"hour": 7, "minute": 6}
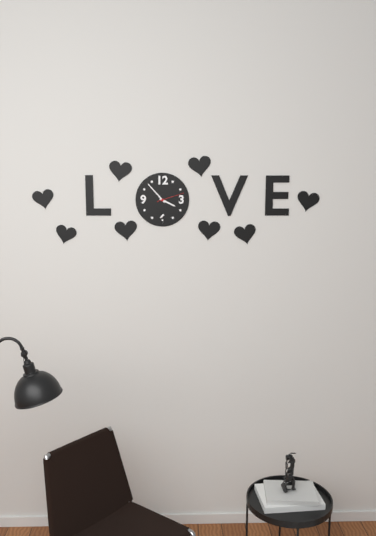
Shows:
{"hour": 3, "minute": 53}
